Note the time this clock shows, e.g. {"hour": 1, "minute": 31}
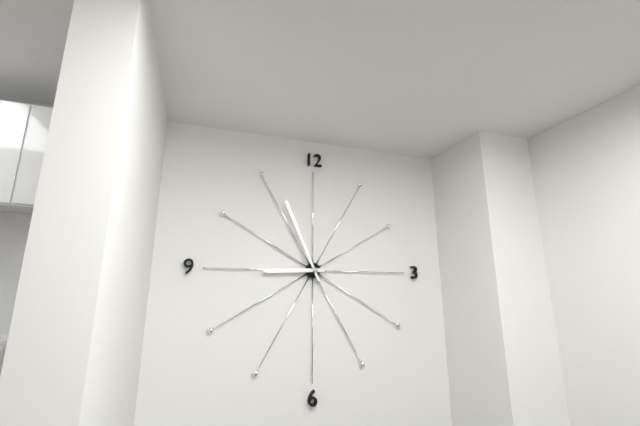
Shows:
{"hour": 8, "minute": 56}
